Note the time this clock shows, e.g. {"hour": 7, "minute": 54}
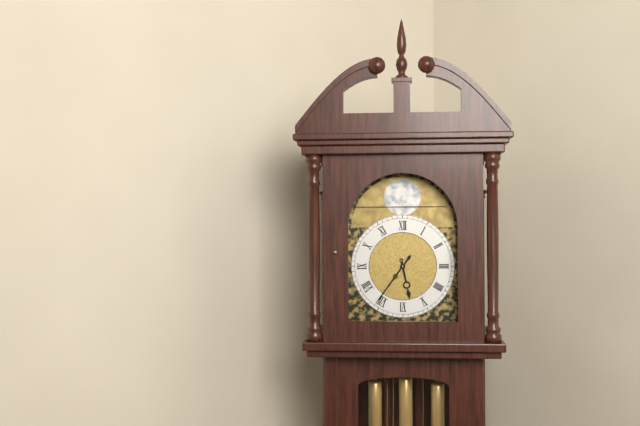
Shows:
{"hour": 5, "minute": 36}
